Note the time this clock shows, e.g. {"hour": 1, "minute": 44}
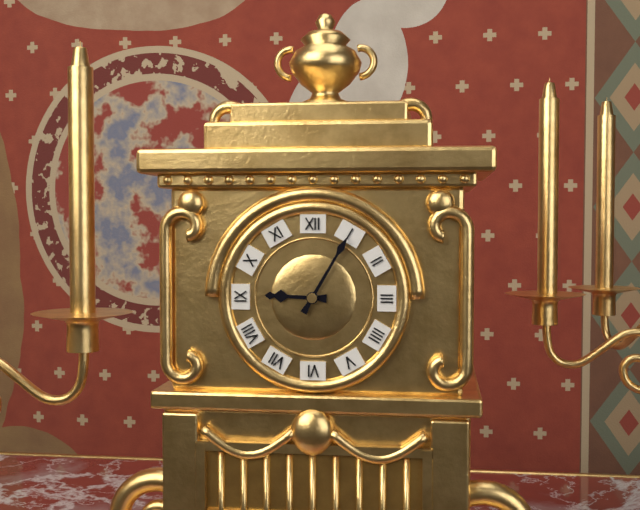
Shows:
{"hour": 9, "minute": 5}
